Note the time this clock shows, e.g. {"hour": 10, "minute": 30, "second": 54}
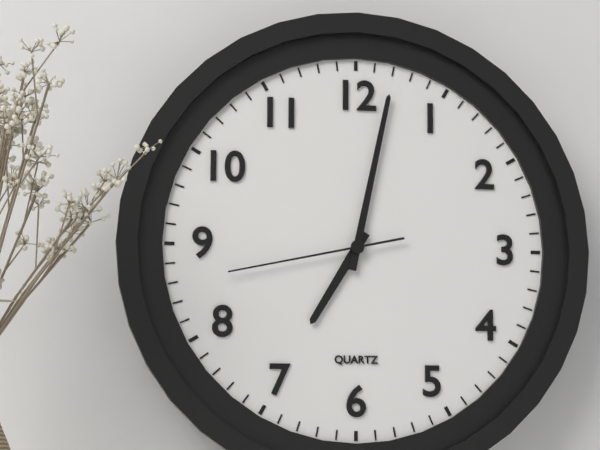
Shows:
{"hour": 7, "minute": 2, "second": 43}
